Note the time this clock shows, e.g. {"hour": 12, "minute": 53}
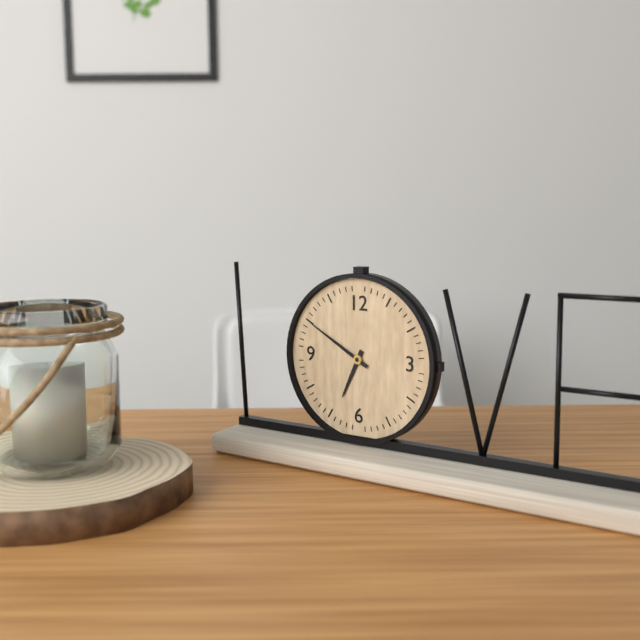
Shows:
{"hour": 6, "minute": 50}
